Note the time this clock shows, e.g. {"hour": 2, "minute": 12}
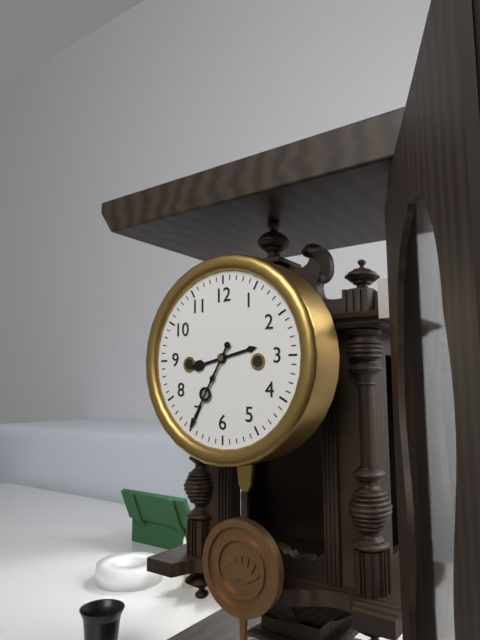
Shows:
{"hour": 8, "minute": 35}
